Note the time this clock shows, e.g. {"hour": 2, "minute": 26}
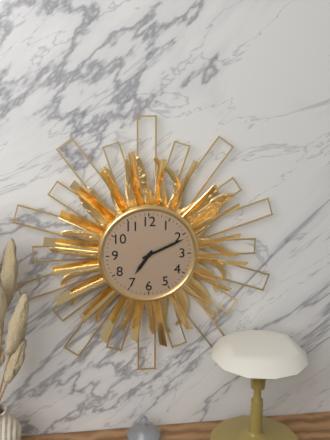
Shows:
{"hour": 7, "minute": 11}
